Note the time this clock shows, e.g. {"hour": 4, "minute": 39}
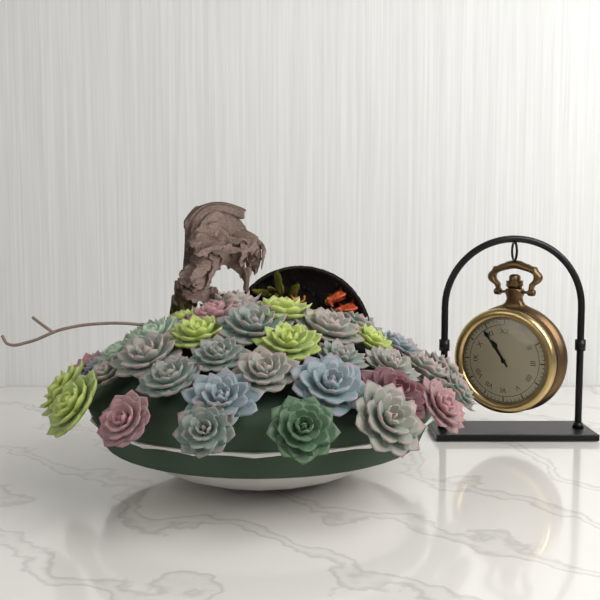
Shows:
{"hour": 10, "minute": 54}
